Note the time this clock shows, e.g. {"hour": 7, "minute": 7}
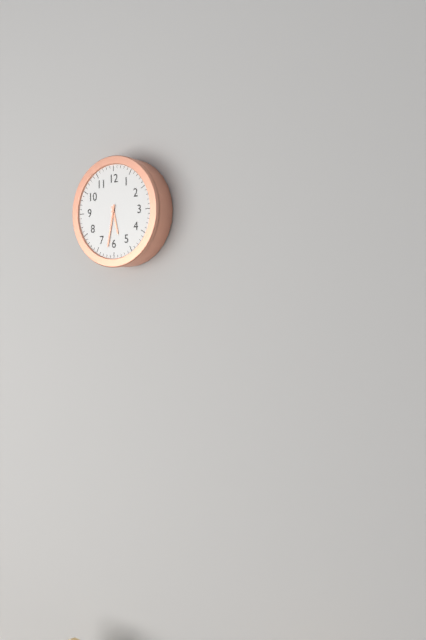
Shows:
{"hour": 5, "minute": 32}
